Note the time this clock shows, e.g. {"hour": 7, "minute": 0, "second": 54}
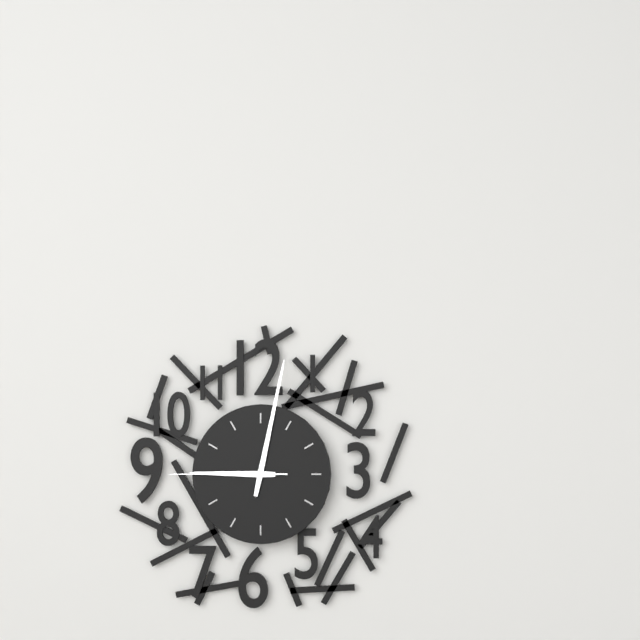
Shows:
{"hour": 9, "minute": 2, "second": 45}
